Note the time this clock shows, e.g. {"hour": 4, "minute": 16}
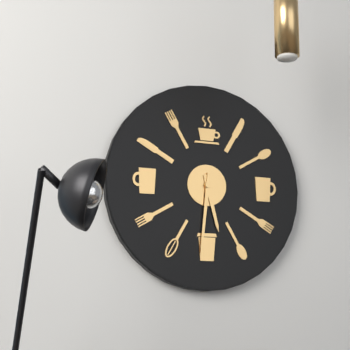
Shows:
{"hour": 5, "minute": 31}
